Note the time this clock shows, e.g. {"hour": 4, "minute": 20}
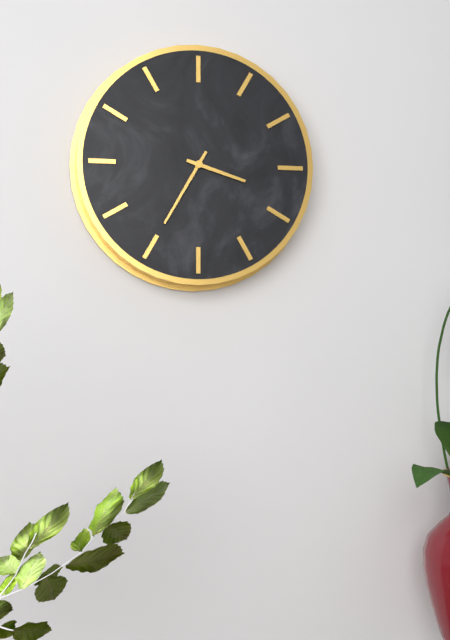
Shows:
{"hour": 3, "minute": 35}
